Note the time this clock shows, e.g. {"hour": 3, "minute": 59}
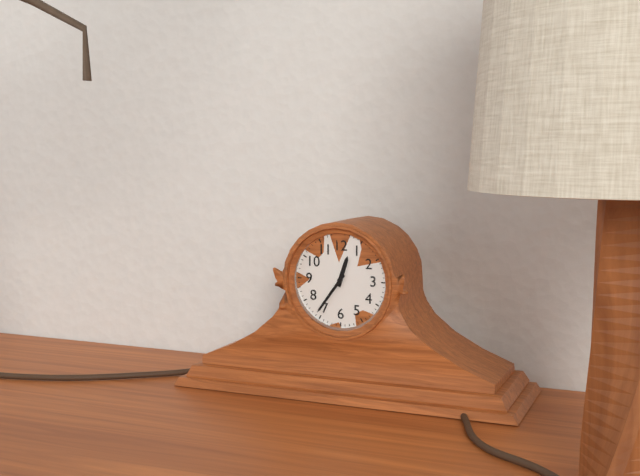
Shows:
{"hour": 12, "minute": 36}
